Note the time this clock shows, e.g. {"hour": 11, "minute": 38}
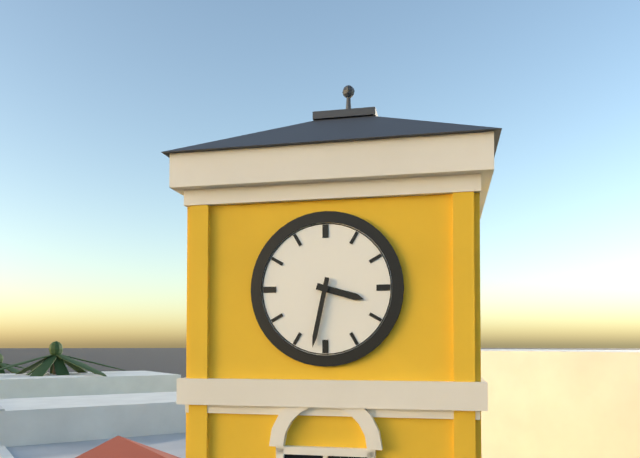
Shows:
{"hour": 3, "minute": 32}
